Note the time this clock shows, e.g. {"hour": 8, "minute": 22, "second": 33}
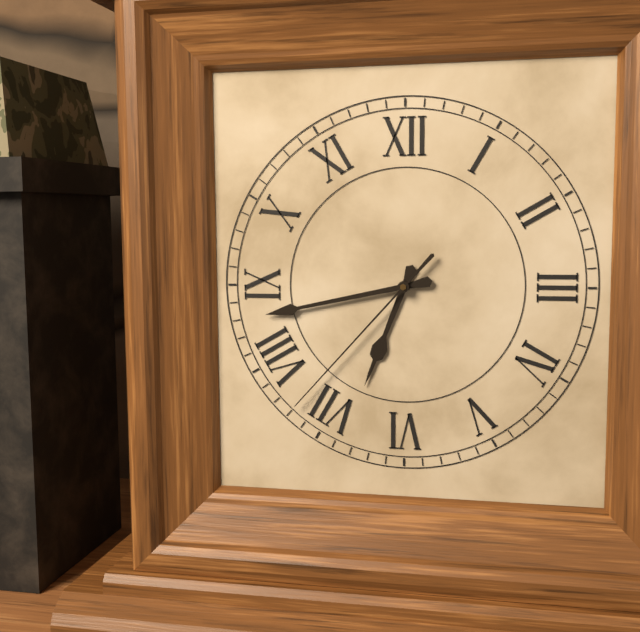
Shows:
{"hour": 6, "minute": 43, "second": 37}
